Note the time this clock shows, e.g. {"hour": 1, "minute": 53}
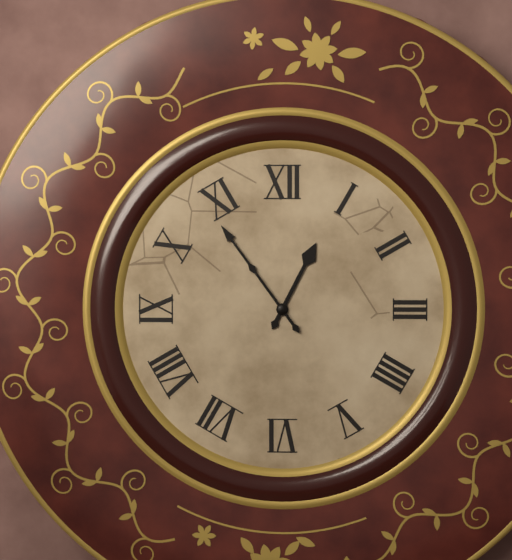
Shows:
{"hour": 12, "minute": 54}
